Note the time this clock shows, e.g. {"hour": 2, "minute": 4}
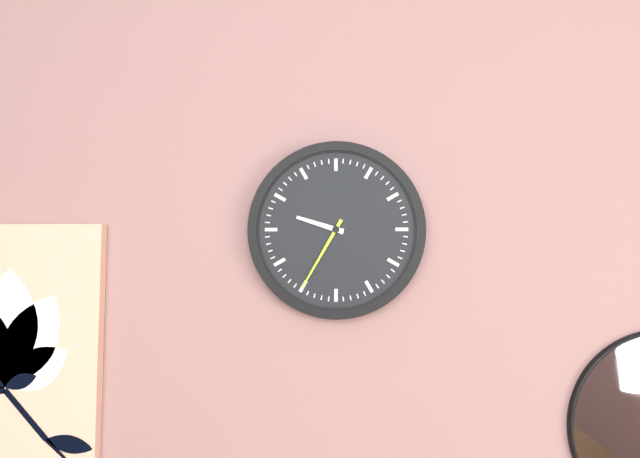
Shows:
{"hour": 9, "minute": 35}
